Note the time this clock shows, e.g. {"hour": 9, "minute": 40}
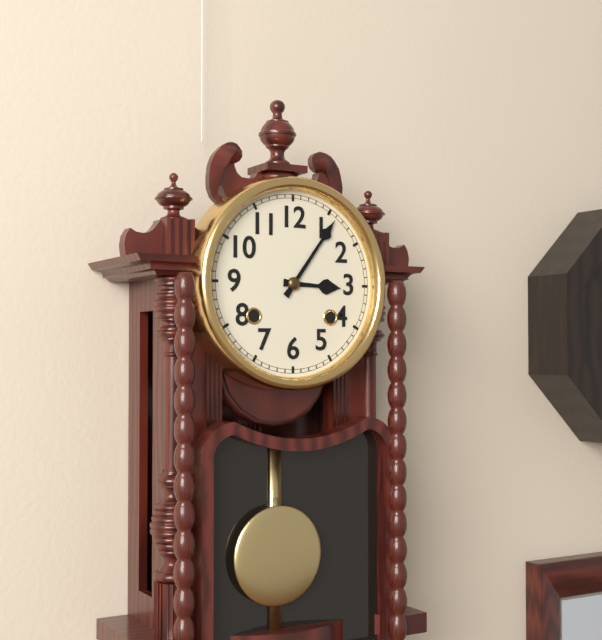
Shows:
{"hour": 3, "minute": 6}
